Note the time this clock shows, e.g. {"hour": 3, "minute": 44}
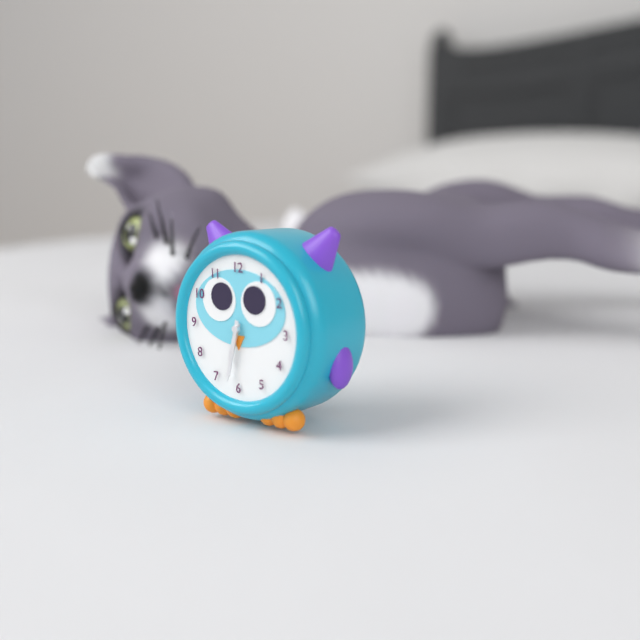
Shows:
{"hour": 6, "minute": 32}
